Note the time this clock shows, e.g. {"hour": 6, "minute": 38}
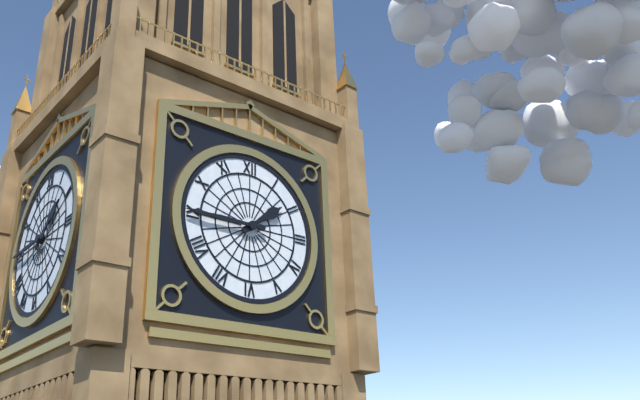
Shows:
{"hour": 1, "minute": 45}
